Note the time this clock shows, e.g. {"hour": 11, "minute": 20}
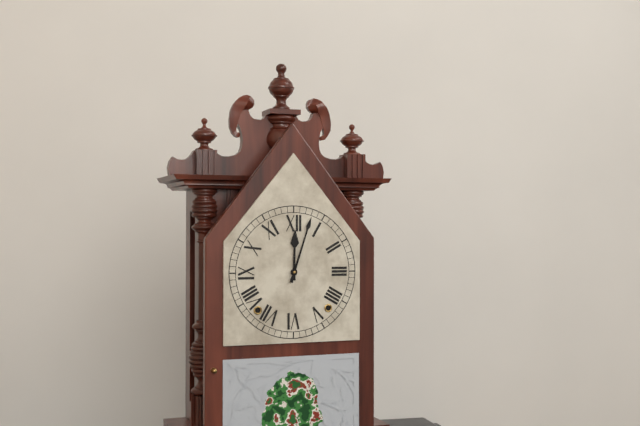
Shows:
{"hour": 12, "minute": 3}
